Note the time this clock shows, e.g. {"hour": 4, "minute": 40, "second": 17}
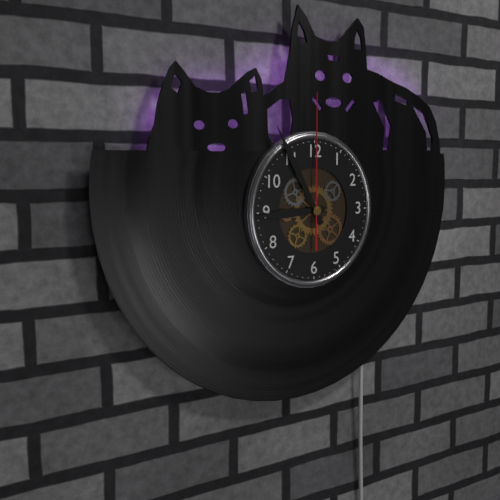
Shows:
{"hour": 8, "minute": 55, "second": 0}
